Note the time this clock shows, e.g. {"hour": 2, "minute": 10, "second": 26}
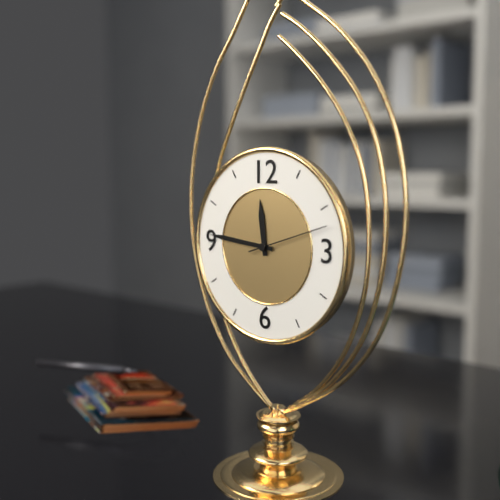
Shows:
{"hour": 11, "minute": 46, "second": 12}
